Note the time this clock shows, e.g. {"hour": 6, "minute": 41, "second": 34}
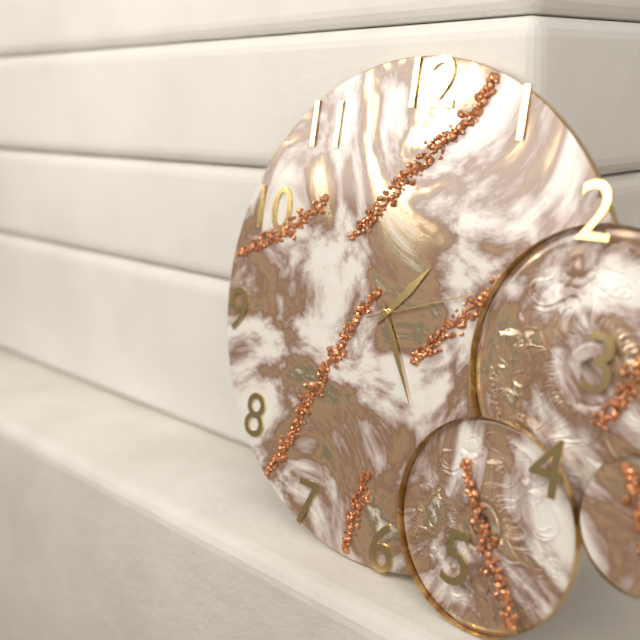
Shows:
{"hour": 1, "minute": 25, "second": 12}
